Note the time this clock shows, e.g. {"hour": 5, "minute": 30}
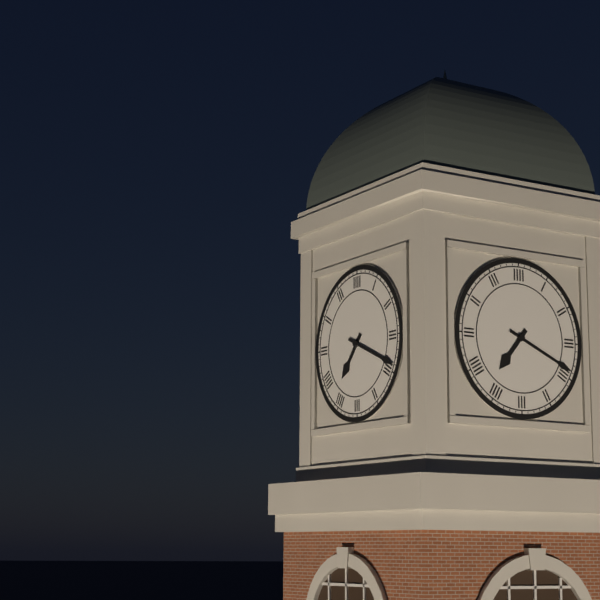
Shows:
{"hour": 7, "minute": 19}
